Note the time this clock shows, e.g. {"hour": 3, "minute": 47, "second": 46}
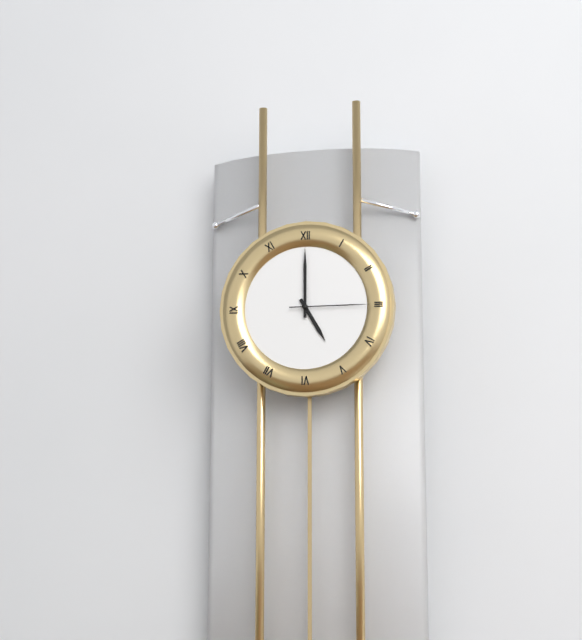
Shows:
{"hour": 5, "minute": 0, "second": 15}
